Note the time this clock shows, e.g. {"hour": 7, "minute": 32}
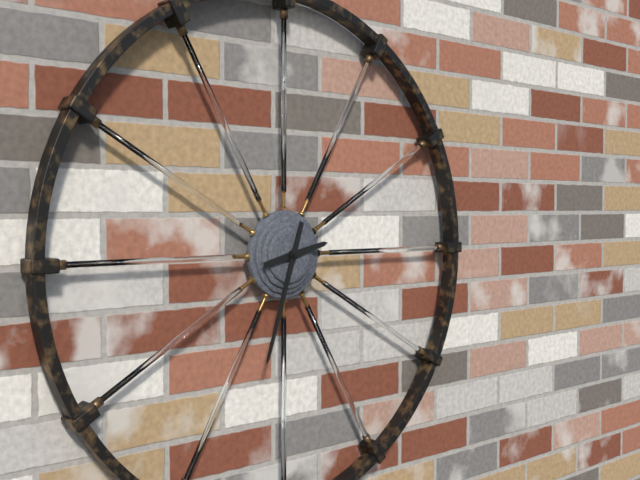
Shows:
{"hour": 2, "minute": 33}
